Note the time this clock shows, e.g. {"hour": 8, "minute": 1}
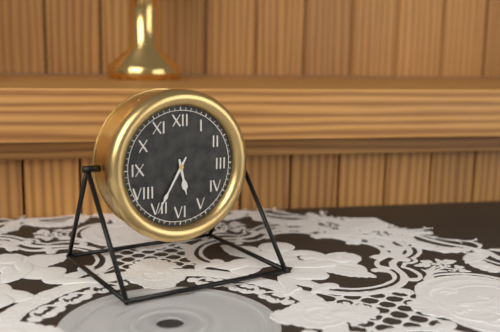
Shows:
{"hour": 5, "minute": 35}
